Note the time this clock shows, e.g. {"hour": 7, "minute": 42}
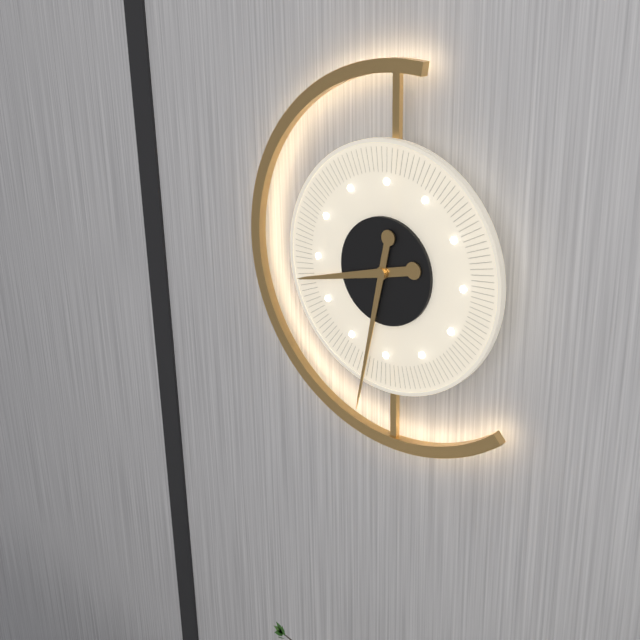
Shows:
{"hour": 8, "minute": 32}
